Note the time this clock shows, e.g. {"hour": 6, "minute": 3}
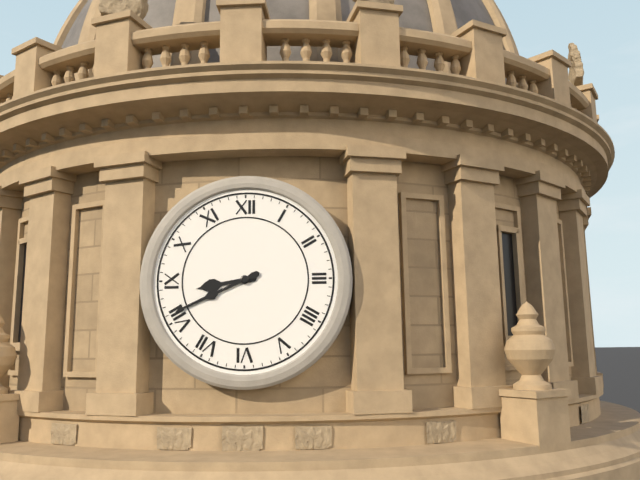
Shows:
{"hour": 8, "minute": 41}
